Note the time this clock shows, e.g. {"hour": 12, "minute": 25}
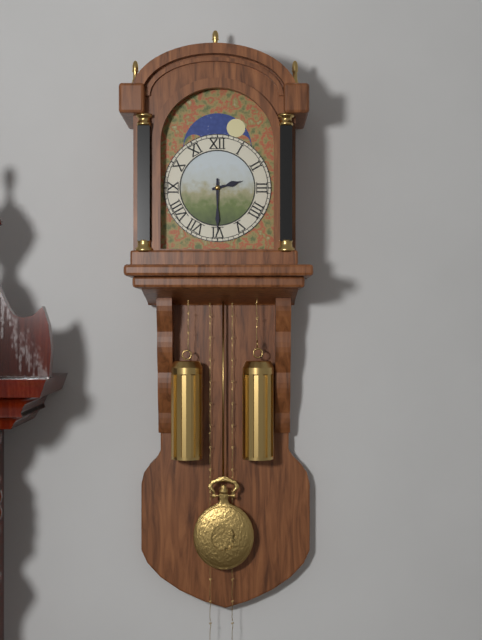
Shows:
{"hour": 2, "minute": 30}
